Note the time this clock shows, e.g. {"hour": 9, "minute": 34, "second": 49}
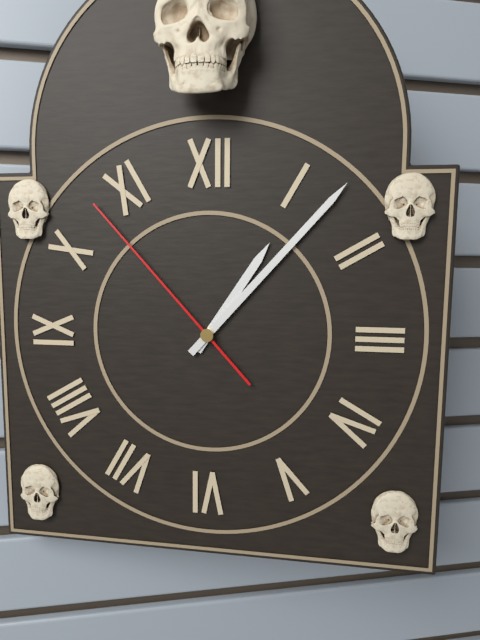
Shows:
{"hour": 1, "minute": 7, "second": 53}
